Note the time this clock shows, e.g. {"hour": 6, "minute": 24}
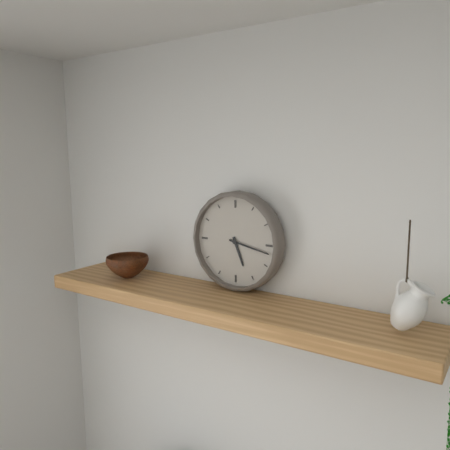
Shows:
{"hour": 5, "minute": 17}
